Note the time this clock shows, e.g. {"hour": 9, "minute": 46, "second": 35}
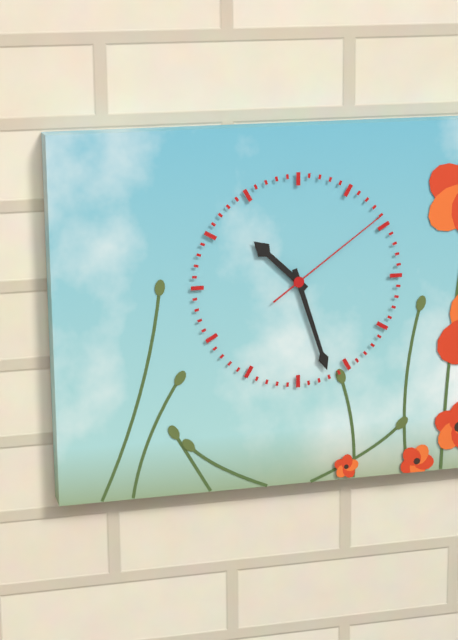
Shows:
{"hour": 10, "minute": 27, "second": 9}
